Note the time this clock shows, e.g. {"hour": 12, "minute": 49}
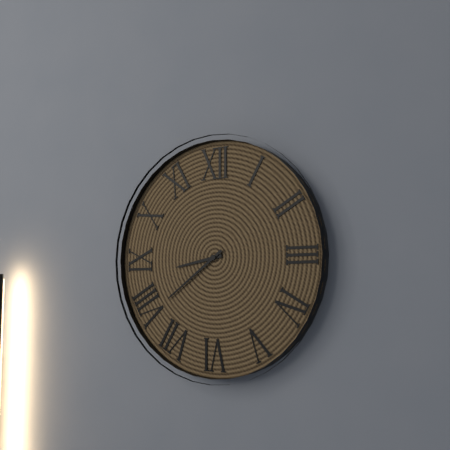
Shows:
{"hour": 8, "minute": 39}
